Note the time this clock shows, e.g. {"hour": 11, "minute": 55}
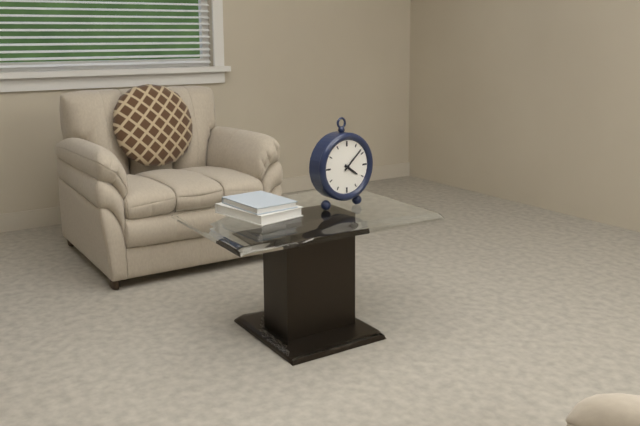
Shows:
{"hour": 4, "minute": 8}
